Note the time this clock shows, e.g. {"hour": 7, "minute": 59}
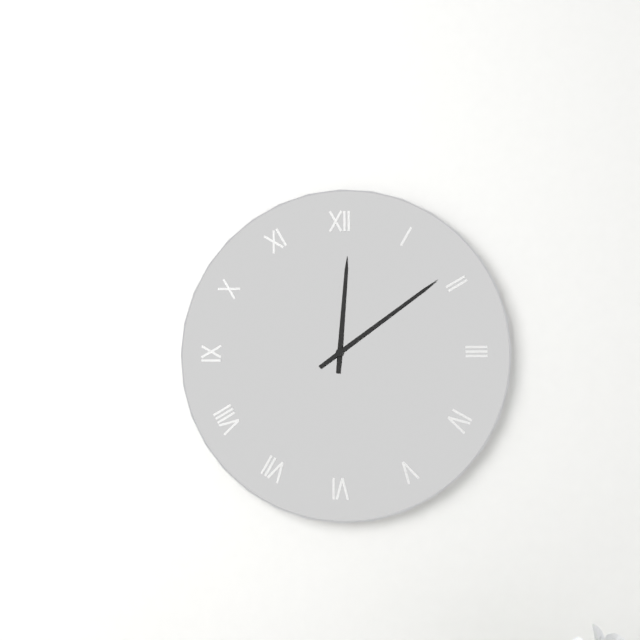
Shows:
{"hour": 12, "minute": 9}
